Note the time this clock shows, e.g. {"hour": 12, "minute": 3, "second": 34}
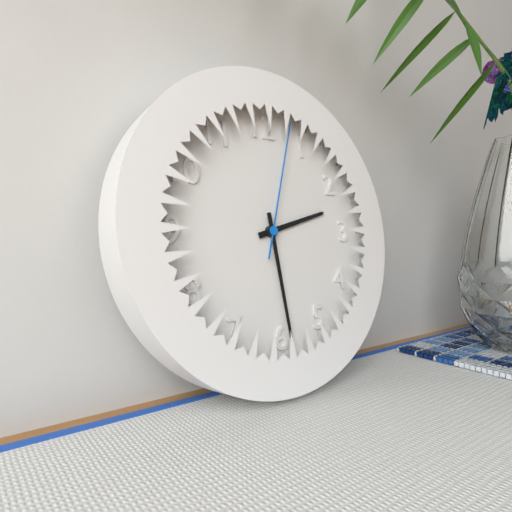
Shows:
{"hour": 2, "minute": 29, "second": 3}
